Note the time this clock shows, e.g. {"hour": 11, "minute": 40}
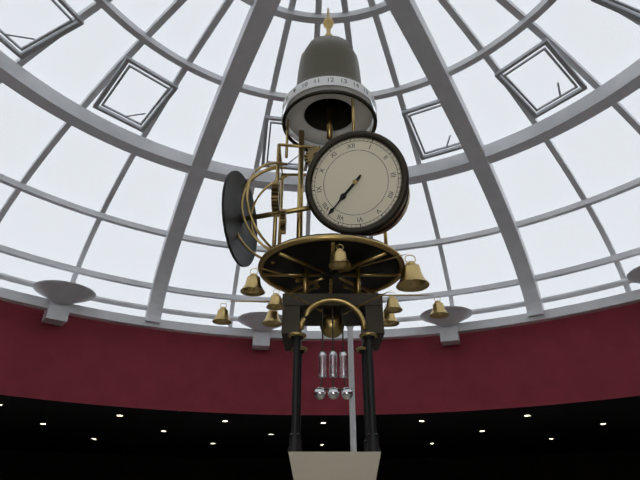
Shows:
{"hour": 7, "minute": 38}
